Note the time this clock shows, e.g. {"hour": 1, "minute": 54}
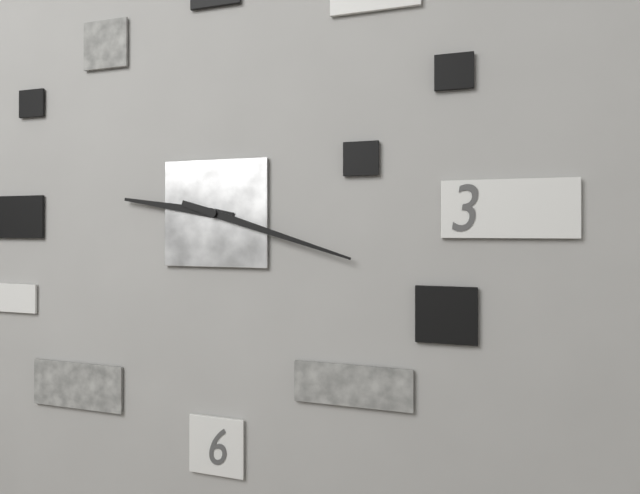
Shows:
{"hour": 9, "minute": 18}
